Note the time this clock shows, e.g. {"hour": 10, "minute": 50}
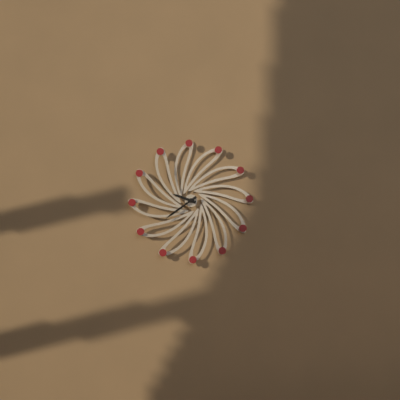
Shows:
{"hour": 9, "minute": 39}
